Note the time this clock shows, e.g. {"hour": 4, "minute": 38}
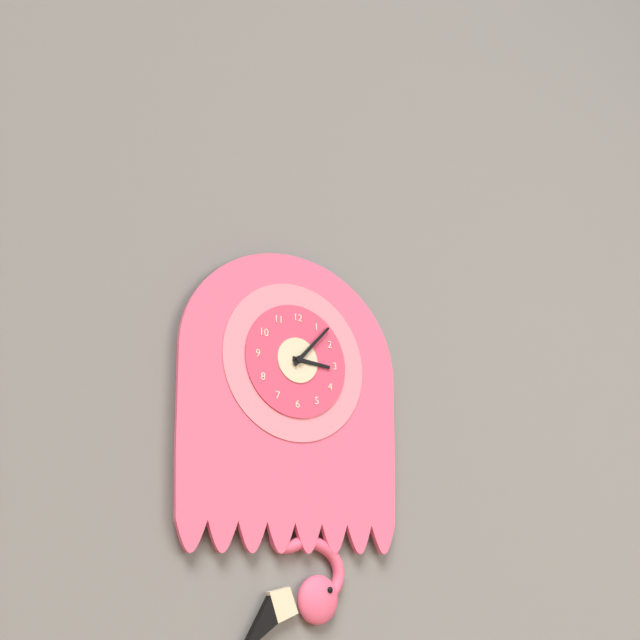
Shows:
{"hour": 3, "minute": 7}
